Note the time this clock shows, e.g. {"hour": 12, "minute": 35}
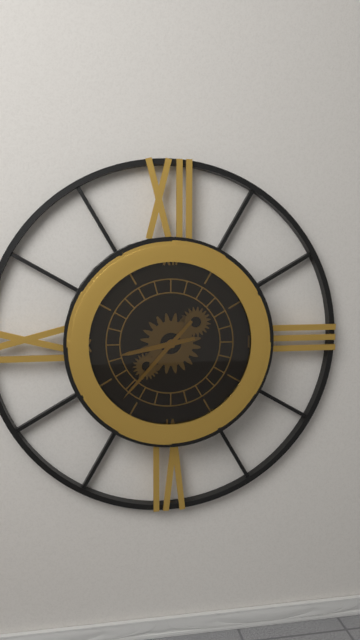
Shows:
{"hour": 8, "minute": 37}
